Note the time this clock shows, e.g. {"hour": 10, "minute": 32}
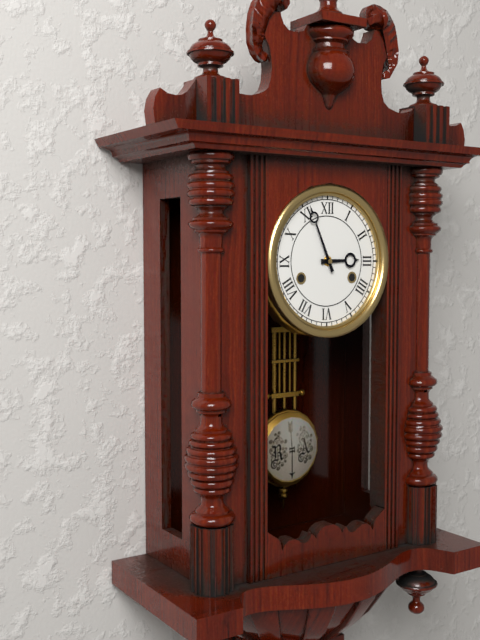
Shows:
{"hour": 2, "minute": 56}
